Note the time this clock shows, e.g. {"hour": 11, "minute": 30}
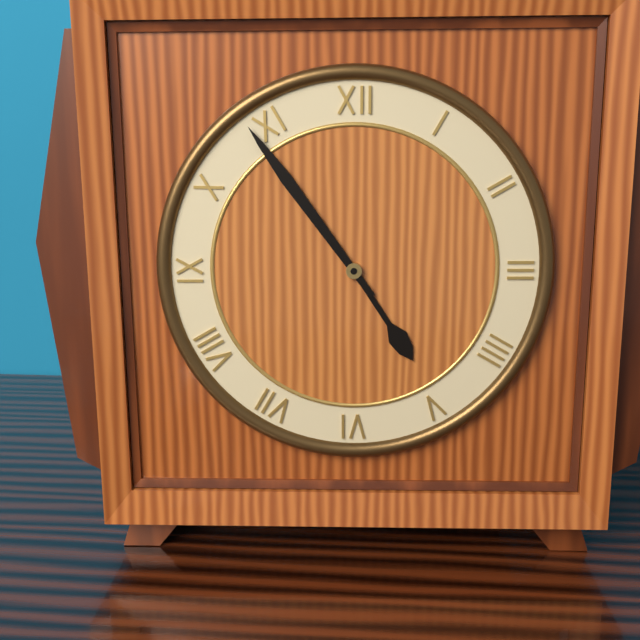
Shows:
{"hour": 4, "minute": 54}
